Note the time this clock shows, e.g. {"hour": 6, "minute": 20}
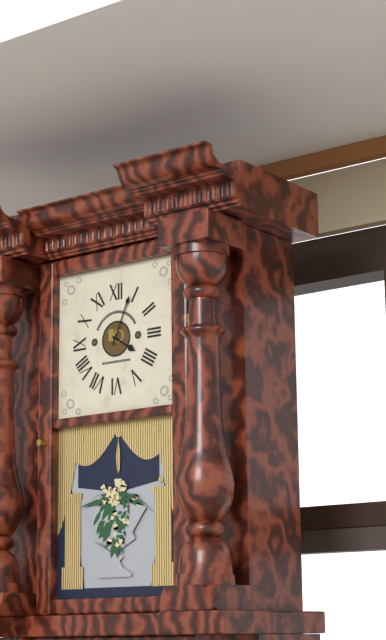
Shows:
{"hour": 4, "minute": 4}
